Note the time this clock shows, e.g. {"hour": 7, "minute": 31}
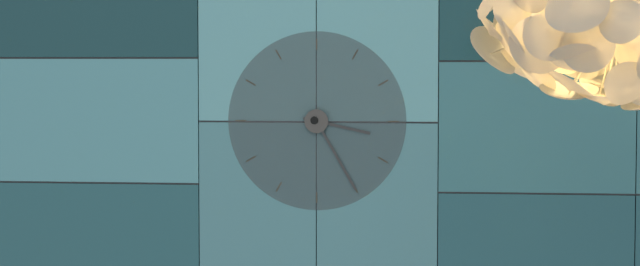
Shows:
{"hour": 3, "minute": 25}
